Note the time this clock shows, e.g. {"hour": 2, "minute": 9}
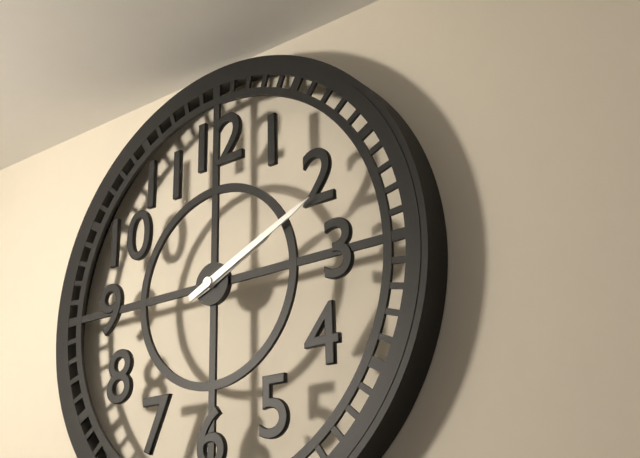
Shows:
{"hour": 2, "minute": 11}
